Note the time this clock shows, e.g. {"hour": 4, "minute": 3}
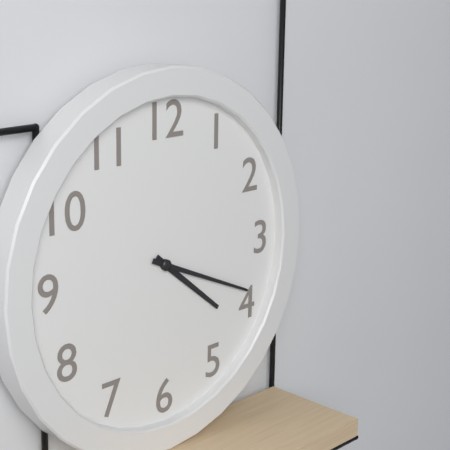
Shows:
{"hour": 4, "minute": 19}
